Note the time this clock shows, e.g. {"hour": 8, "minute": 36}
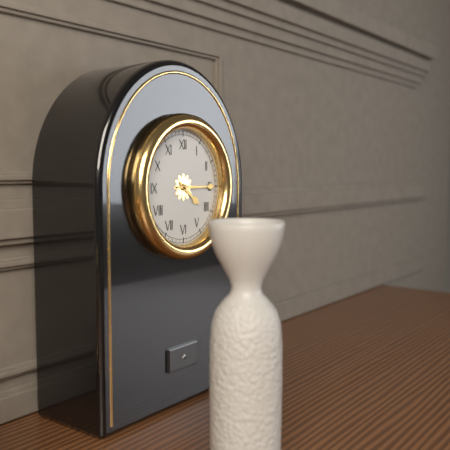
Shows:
{"hour": 4, "minute": 15}
